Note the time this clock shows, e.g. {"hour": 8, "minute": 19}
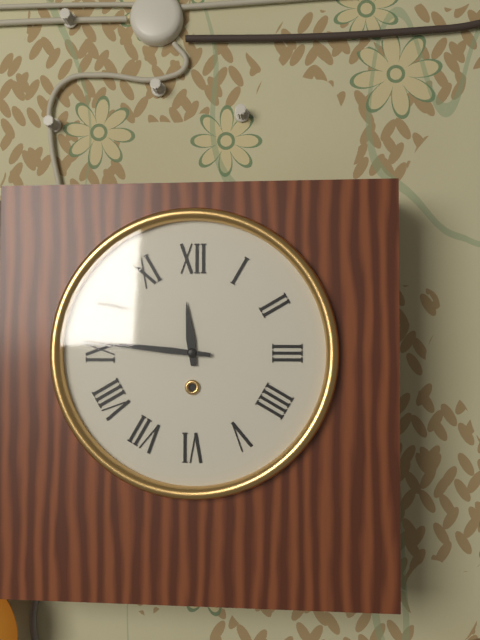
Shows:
{"hour": 11, "minute": 46}
